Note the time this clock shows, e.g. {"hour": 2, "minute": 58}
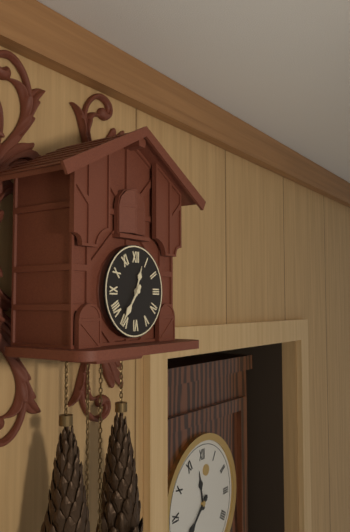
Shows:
{"hour": 12, "minute": 36}
